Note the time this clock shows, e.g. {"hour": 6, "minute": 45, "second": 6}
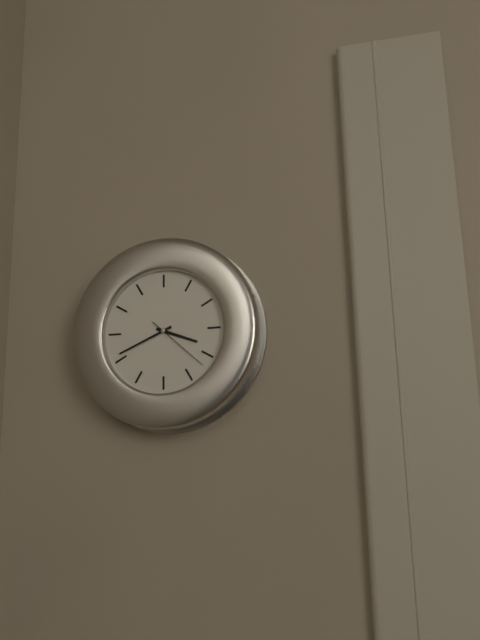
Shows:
{"hour": 3, "minute": 41, "second": 22}
